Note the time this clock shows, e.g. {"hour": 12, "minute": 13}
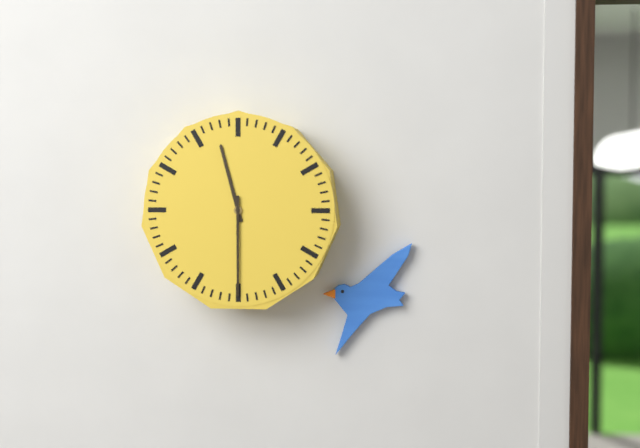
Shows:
{"hour": 11, "minute": 30}
